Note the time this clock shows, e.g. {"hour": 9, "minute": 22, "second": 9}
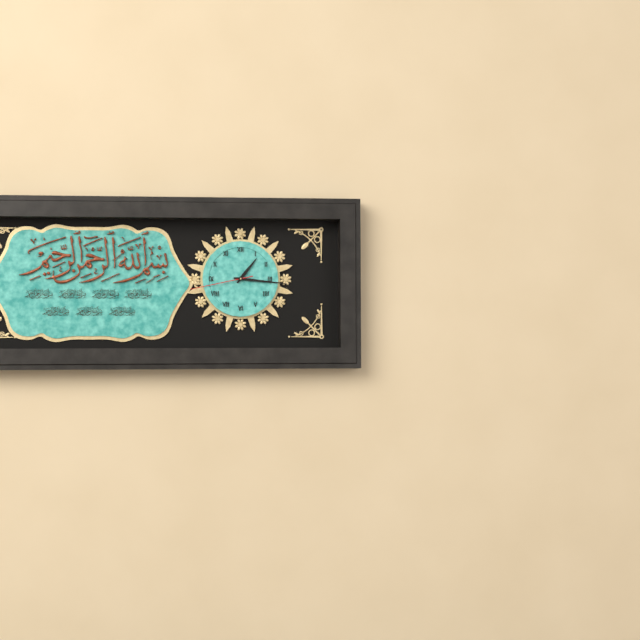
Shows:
{"hour": 1, "minute": 16, "second": 43}
